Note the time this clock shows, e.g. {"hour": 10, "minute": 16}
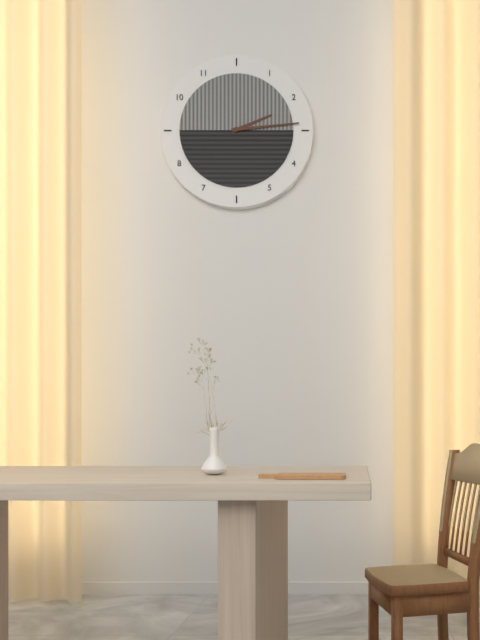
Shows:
{"hour": 2, "minute": 14}
